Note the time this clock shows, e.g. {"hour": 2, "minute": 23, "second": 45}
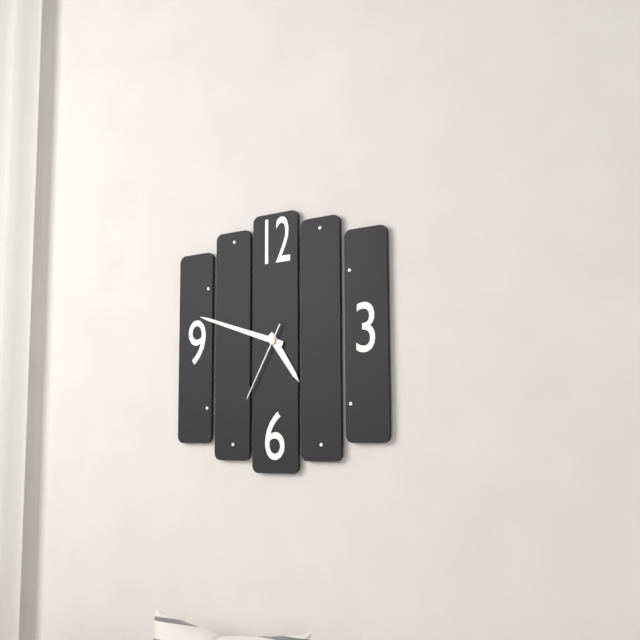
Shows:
{"hour": 4, "minute": 48, "second": 35}
